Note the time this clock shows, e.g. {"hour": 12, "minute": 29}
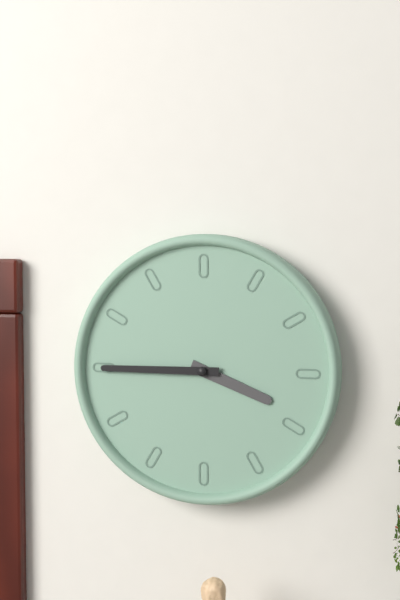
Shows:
{"hour": 3, "minute": 45}
